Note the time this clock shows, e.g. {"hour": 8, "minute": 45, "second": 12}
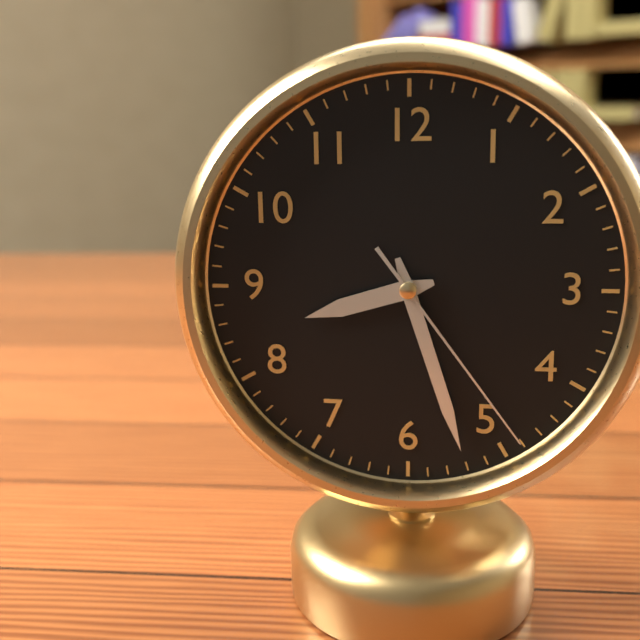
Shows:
{"hour": 8, "minute": 27, "second": 24}
